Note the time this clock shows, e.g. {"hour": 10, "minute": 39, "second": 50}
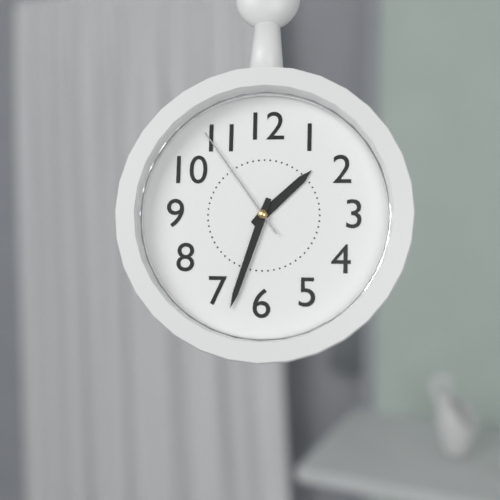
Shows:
{"hour": 1, "minute": 33, "second": 54}
